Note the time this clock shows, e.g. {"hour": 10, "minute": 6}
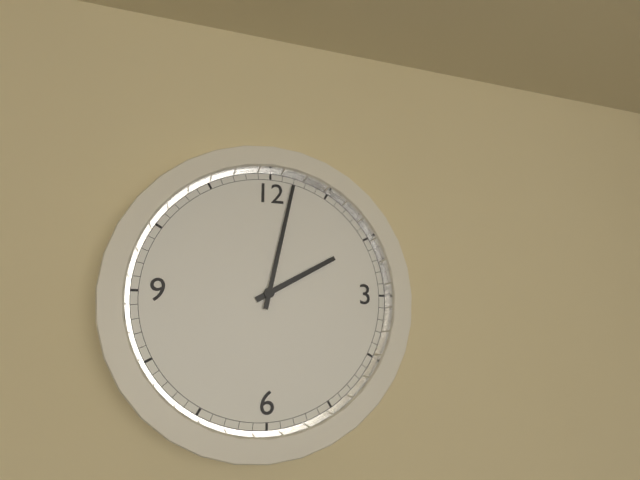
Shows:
{"hour": 2, "minute": 2}
